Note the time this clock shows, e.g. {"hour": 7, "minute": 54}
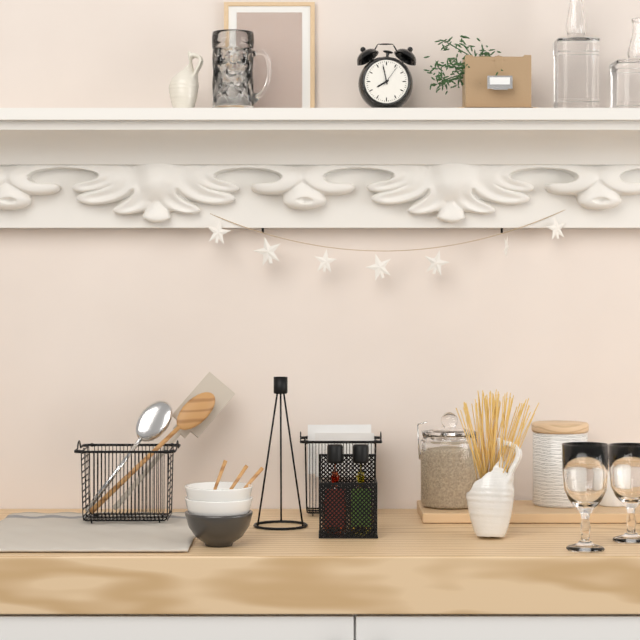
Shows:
{"hour": 7, "minute": 58}
